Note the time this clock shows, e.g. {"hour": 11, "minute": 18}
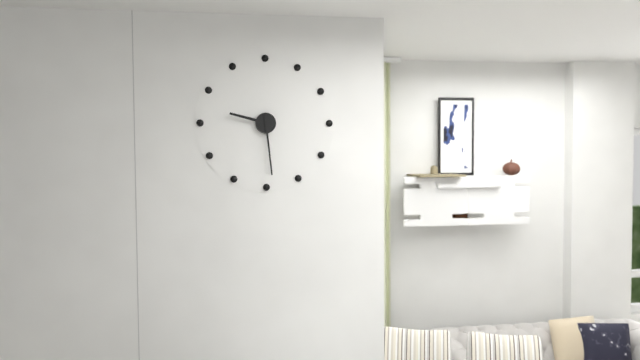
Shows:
{"hour": 9, "minute": 29}
